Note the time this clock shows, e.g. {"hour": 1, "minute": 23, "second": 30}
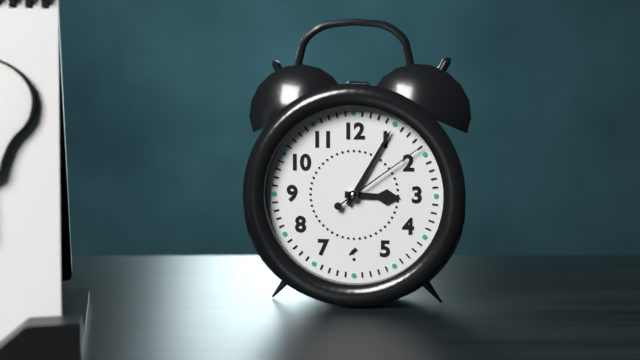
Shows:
{"hour": 3, "minute": 5, "second": 9}
